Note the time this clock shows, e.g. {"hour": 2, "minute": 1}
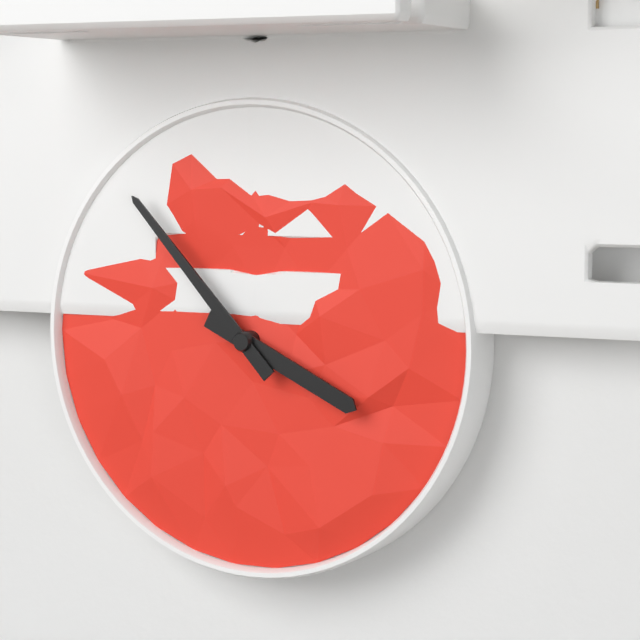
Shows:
{"hour": 3, "minute": 53}
